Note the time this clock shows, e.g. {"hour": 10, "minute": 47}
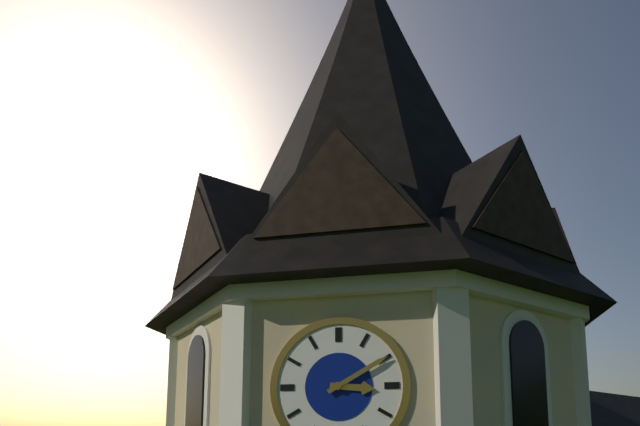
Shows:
{"hour": 3, "minute": 10}
